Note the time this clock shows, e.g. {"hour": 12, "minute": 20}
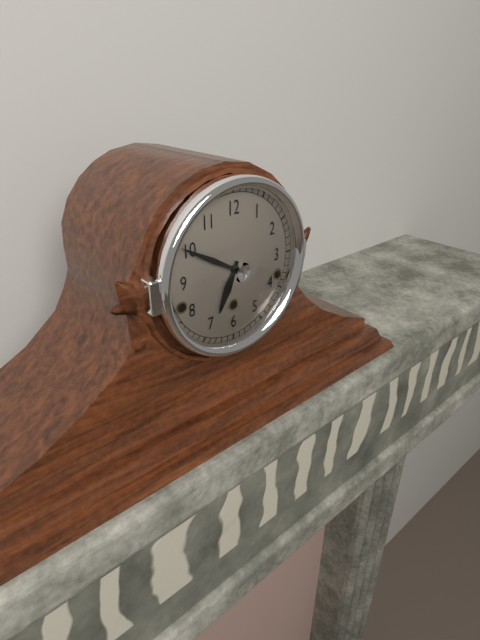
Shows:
{"hour": 6, "minute": 50}
